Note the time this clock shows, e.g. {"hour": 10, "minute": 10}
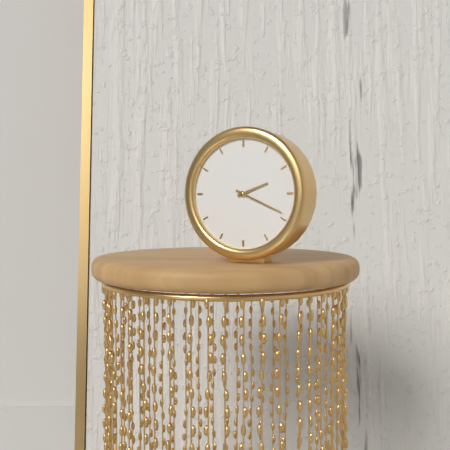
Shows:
{"hour": 2, "minute": 19}
